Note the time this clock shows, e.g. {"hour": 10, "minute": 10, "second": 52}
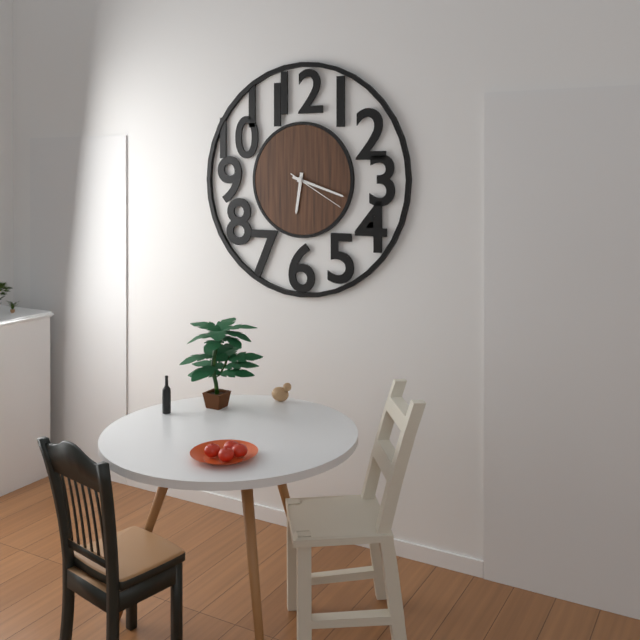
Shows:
{"hour": 6, "minute": 18, "second": 20}
